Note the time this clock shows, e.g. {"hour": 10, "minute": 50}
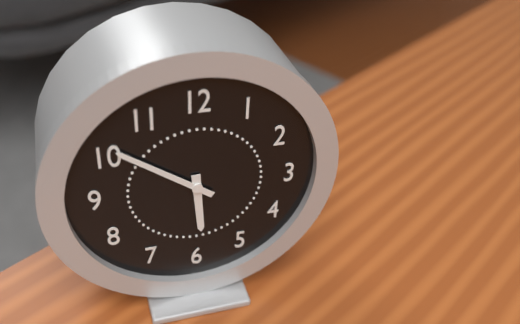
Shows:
{"hour": 5, "minute": 51}
